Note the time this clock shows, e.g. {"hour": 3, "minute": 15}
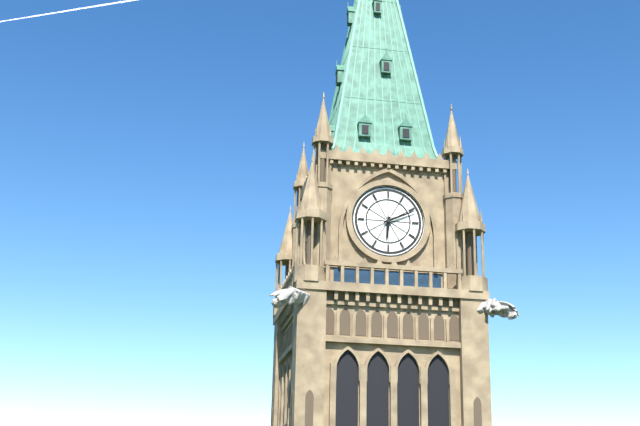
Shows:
{"hour": 6, "minute": 11}
